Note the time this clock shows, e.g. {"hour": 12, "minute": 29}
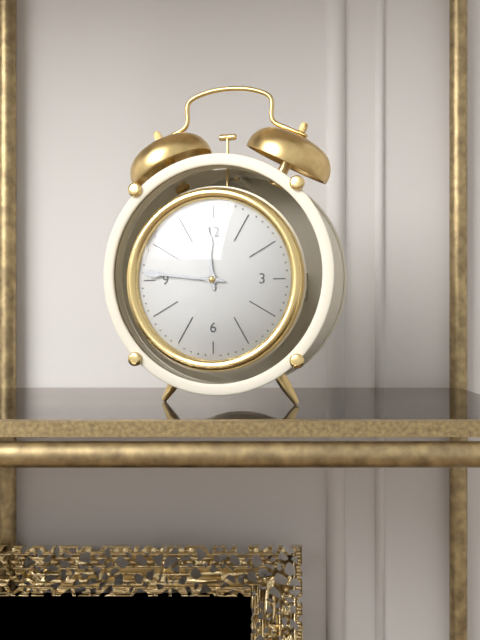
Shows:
{"hour": 11, "minute": 46}
